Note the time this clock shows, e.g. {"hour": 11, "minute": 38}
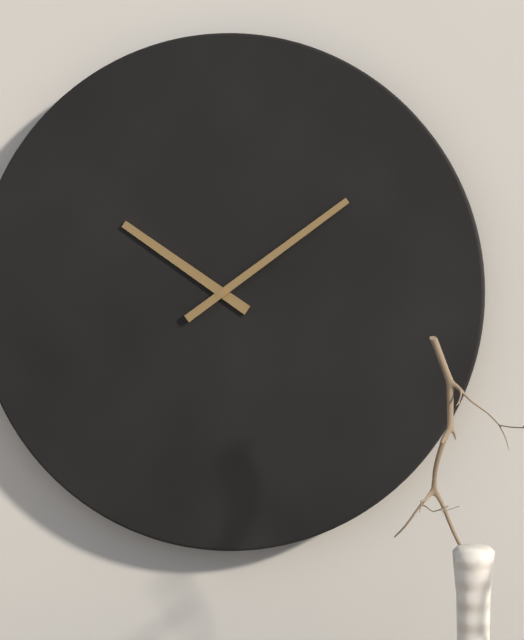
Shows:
{"hour": 10, "minute": 9}
